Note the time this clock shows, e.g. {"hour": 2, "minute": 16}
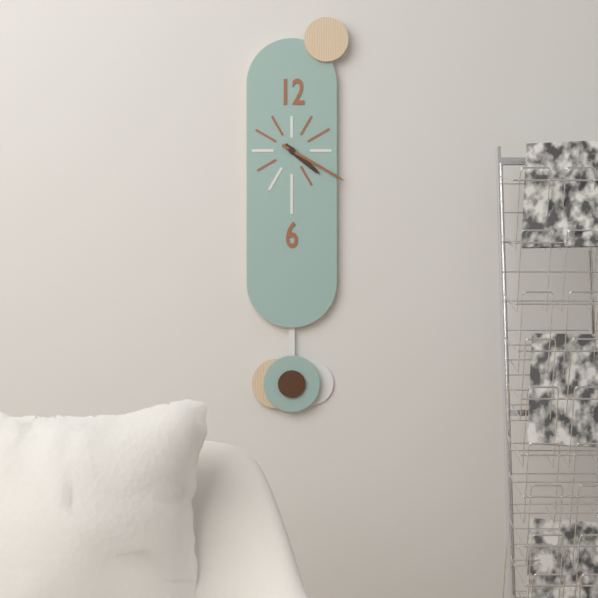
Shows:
{"hour": 4, "minute": 20}
